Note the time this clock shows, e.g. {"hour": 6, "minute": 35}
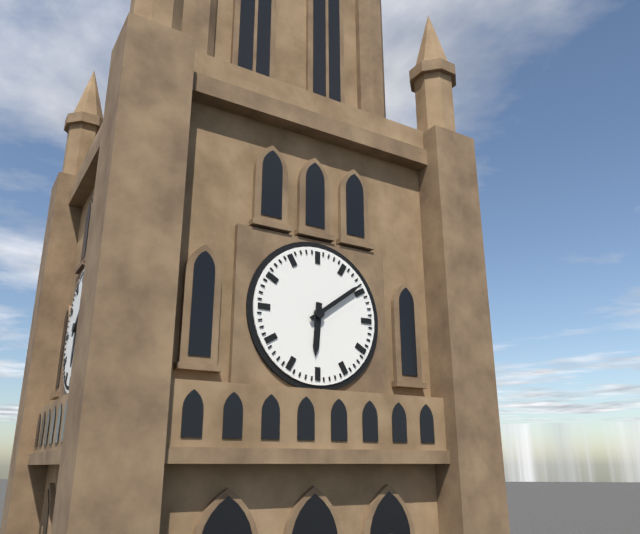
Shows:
{"hour": 6, "minute": 9}
